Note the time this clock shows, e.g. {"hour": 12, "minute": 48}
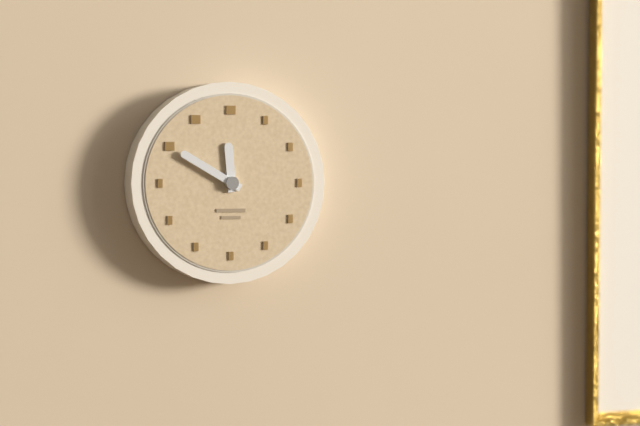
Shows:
{"hour": 11, "minute": 50}
